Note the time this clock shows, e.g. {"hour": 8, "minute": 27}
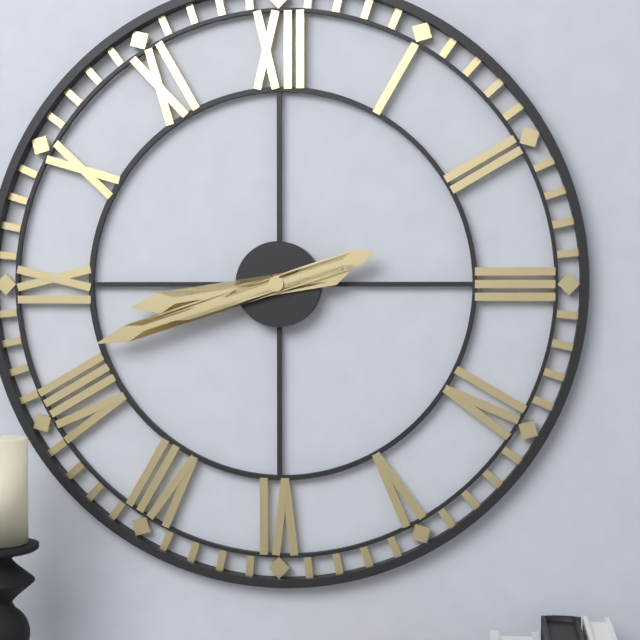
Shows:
{"hour": 8, "minute": 42}
